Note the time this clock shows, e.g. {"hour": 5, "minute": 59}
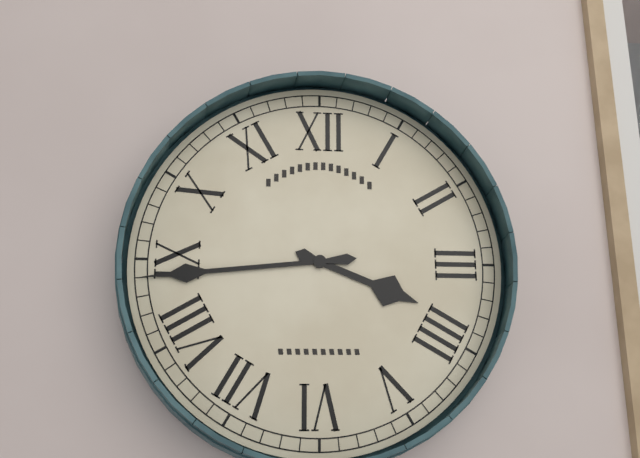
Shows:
{"hour": 3, "minute": 44}
